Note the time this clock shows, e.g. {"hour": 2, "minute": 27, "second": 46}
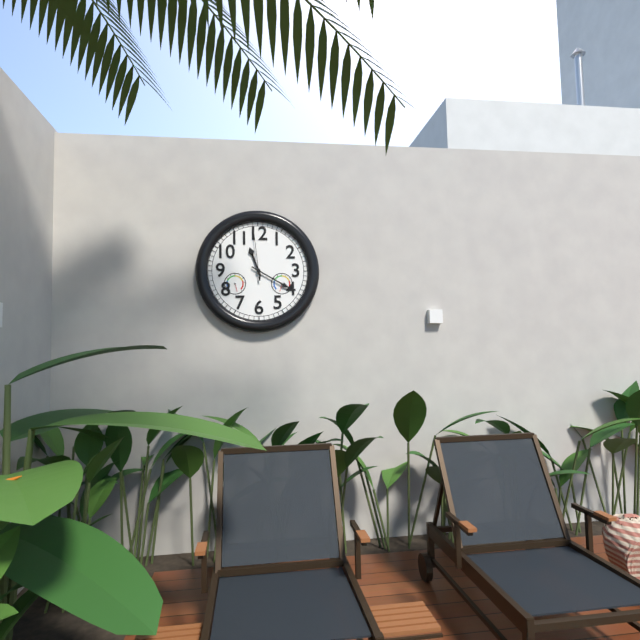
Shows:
{"hour": 11, "minute": 20, "second": 59}
